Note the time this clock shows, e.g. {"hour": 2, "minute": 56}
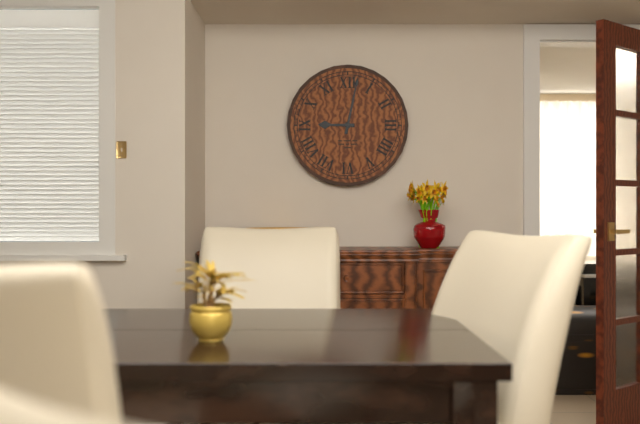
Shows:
{"hour": 9, "minute": 2}
